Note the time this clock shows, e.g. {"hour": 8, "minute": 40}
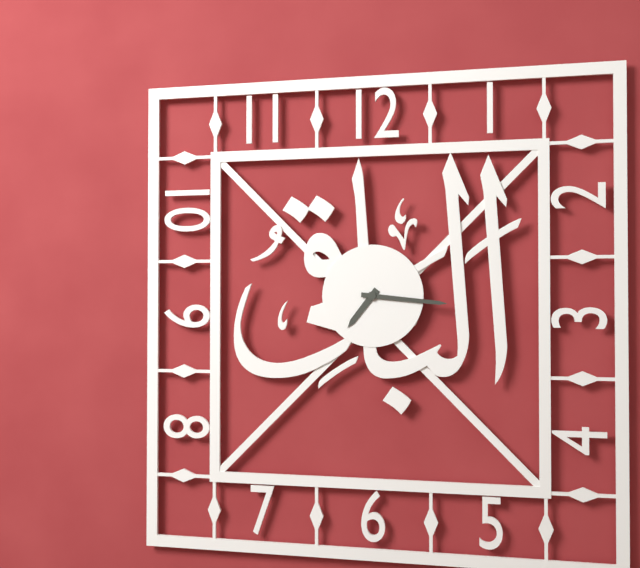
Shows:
{"hour": 7, "minute": 16}
